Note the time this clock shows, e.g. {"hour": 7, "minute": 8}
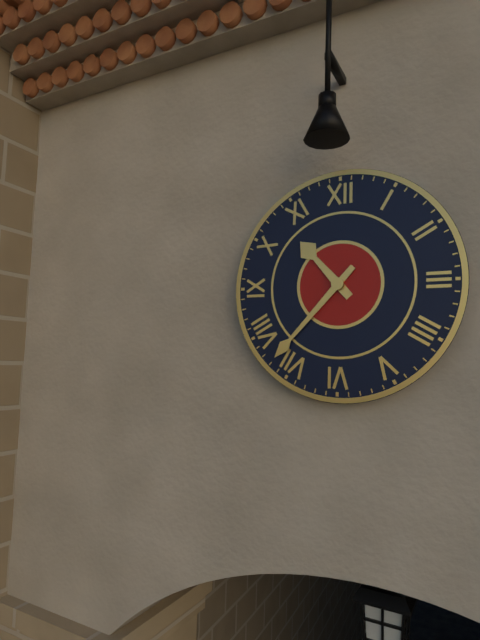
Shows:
{"hour": 10, "minute": 37}
